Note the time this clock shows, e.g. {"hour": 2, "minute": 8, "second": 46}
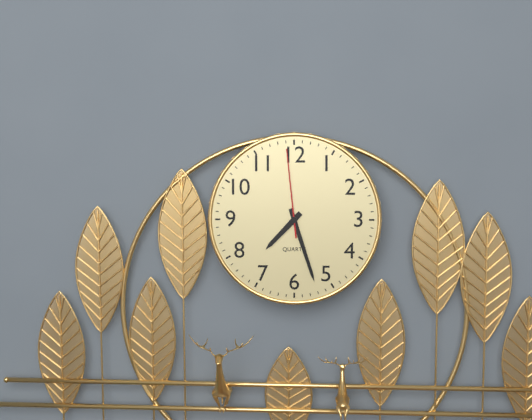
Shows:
{"hour": 7, "minute": 27, "second": 59}
